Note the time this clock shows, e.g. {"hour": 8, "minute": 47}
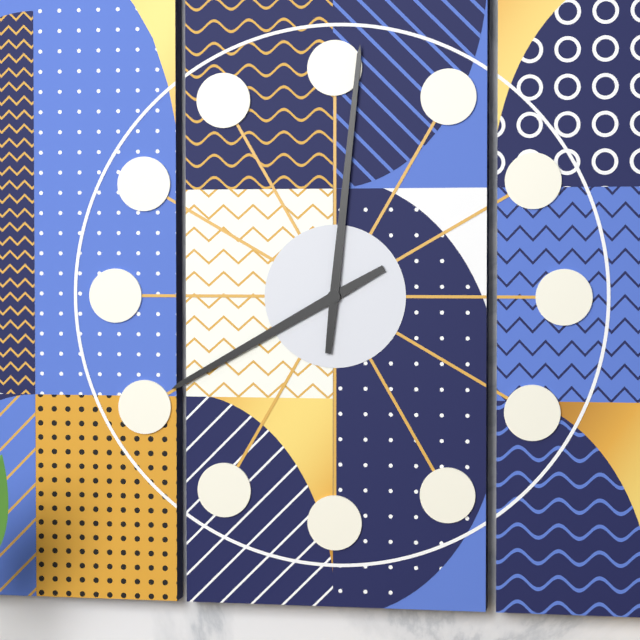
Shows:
{"hour": 8, "minute": 1}
